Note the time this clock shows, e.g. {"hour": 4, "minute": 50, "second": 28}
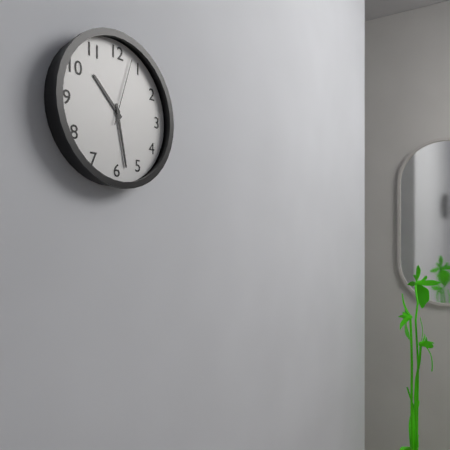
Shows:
{"hour": 10, "minute": 28, "second": 3}
